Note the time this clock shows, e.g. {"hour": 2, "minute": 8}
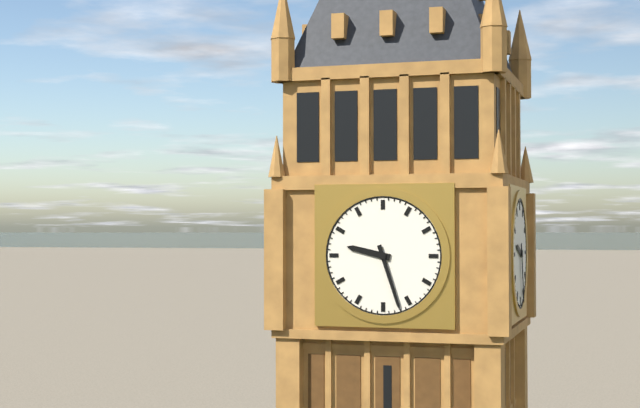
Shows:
{"hour": 9, "minute": 27}
